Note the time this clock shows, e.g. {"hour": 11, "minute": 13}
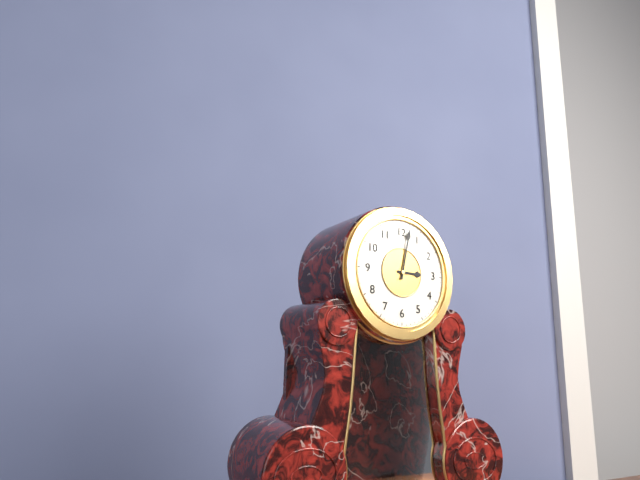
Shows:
{"hour": 3, "minute": 2}
